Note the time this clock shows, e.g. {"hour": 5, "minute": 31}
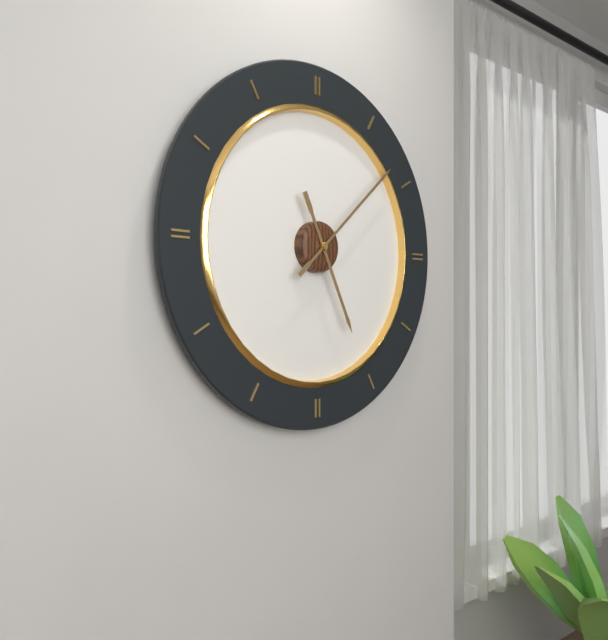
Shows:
{"hour": 5, "minute": 8}
